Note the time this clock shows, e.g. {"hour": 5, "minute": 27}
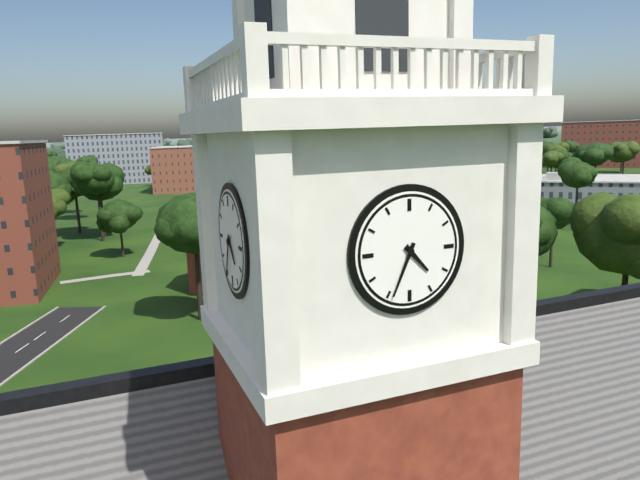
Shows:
{"hour": 4, "minute": 34}
